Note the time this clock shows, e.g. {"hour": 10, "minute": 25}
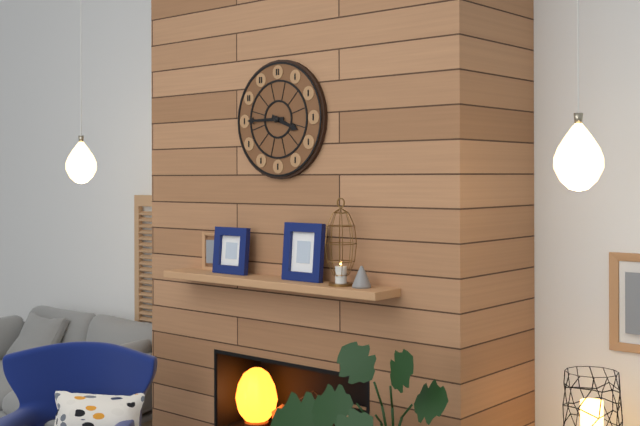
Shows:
{"hour": 3, "minute": 45}
